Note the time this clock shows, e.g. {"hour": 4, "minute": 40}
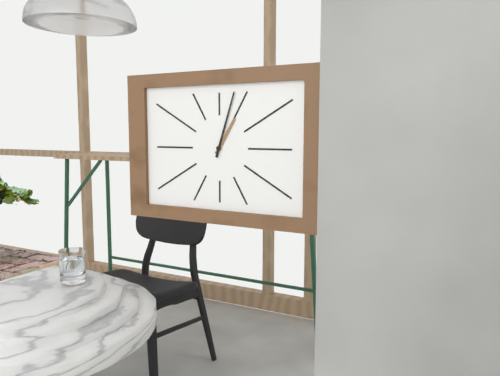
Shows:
{"hour": 1, "minute": 3}
